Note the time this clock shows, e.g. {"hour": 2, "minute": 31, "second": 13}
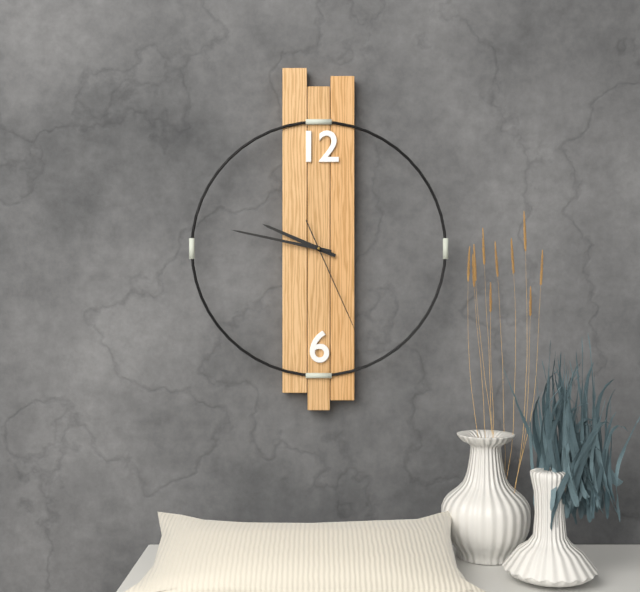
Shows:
{"hour": 9, "minute": 47, "second": 26}
